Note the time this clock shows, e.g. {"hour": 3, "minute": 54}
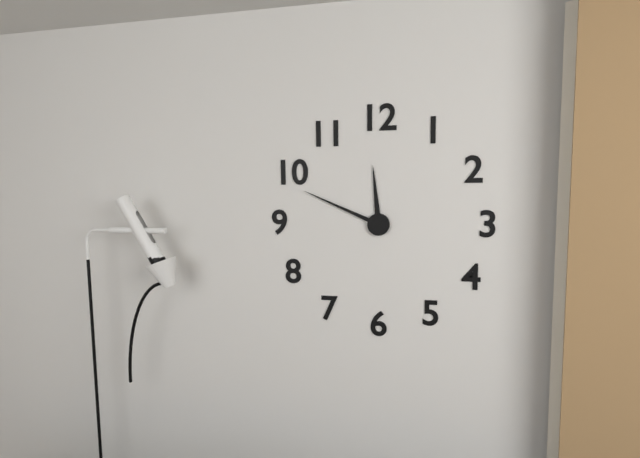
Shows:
{"hour": 11, "minute": 49}
